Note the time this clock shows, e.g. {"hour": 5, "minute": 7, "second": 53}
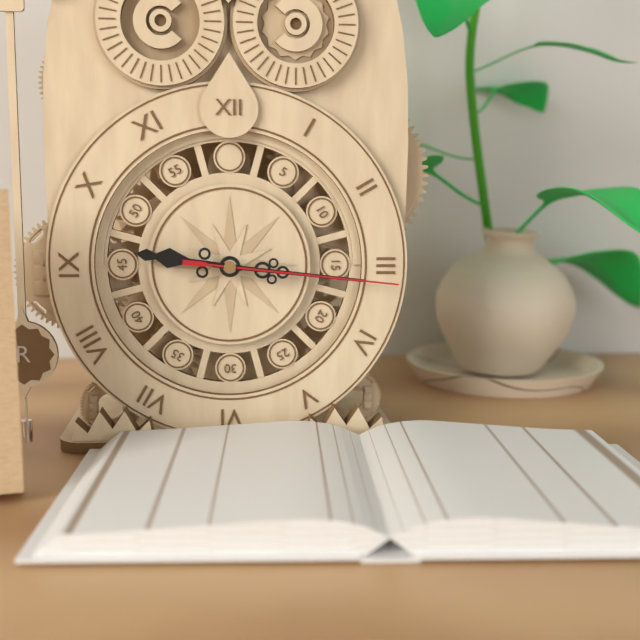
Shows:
{"hour": 9, "minute": 16, "second": 16}
